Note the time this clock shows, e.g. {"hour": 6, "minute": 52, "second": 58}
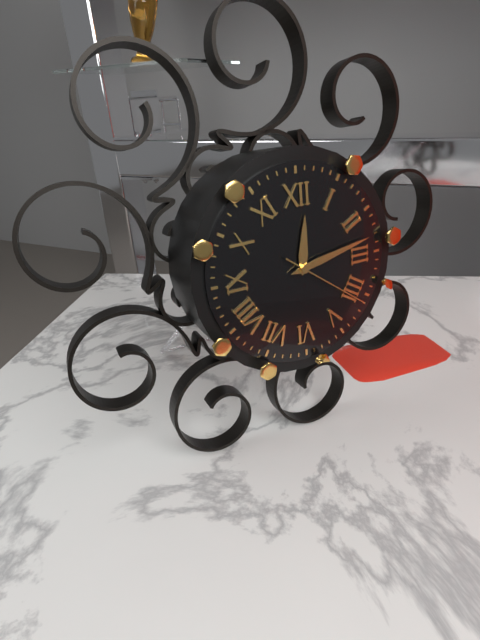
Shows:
{"hour": 12, "minute": 13, "second": 21}
